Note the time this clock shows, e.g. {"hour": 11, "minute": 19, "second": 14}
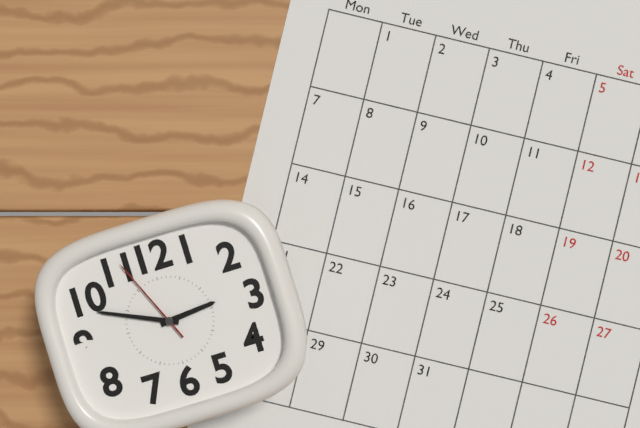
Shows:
{"hour": 2, "minute": 49, "second": 56}
